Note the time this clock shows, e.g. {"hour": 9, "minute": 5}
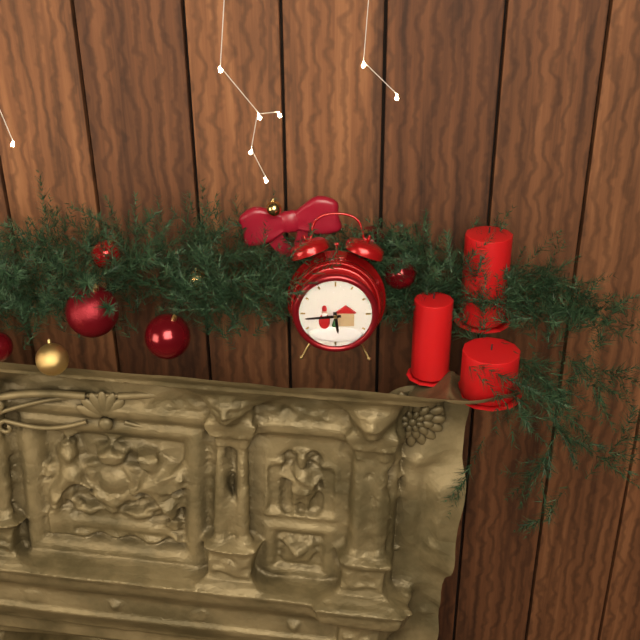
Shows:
{"hour": 5, "minute": 44}
